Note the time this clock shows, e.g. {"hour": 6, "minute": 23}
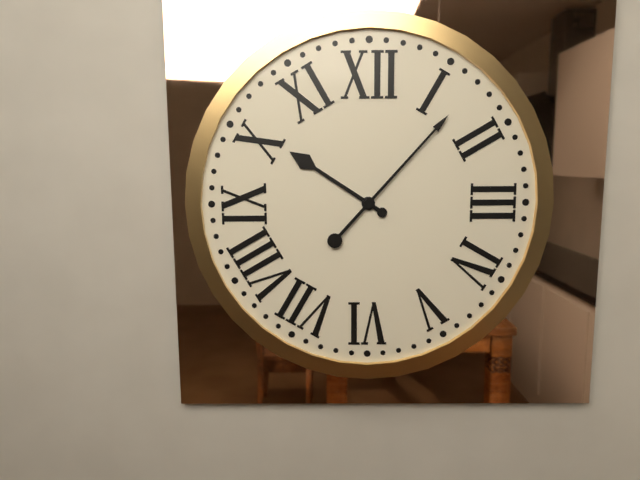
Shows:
{"hour": 10, "minute": 7}
